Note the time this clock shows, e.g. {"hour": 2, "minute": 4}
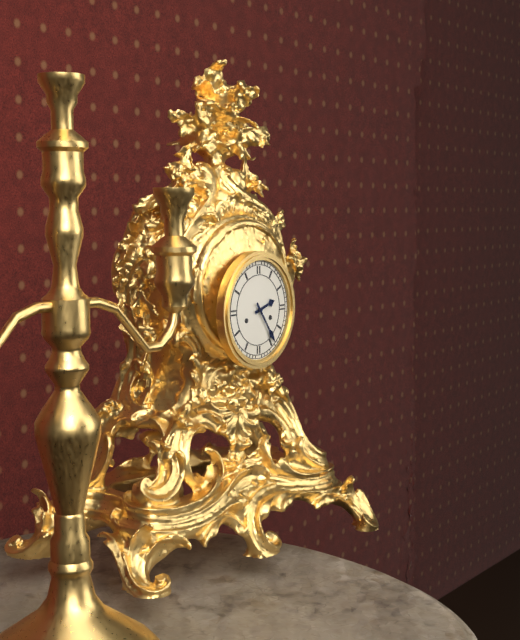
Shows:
{"hour": 2, "minute": 24}
